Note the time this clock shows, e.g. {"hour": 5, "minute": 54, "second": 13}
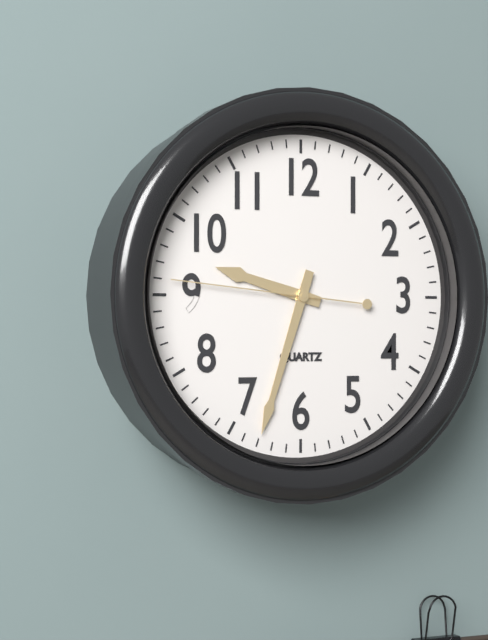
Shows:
{"hour": 9, "minute": 33, "second": 46}
